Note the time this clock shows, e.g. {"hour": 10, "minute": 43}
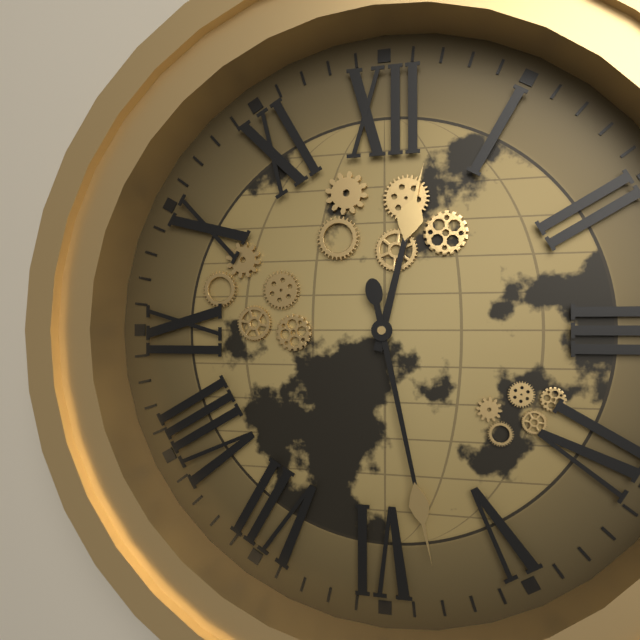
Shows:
{"hour": 12, "minute": 28}
